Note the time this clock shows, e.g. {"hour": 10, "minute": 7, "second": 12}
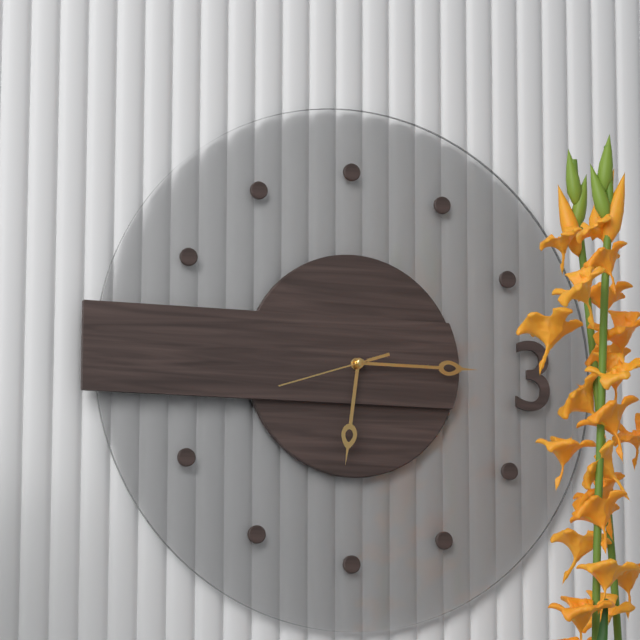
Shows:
{"hour": 6, "minute": 15, "second": 42}
